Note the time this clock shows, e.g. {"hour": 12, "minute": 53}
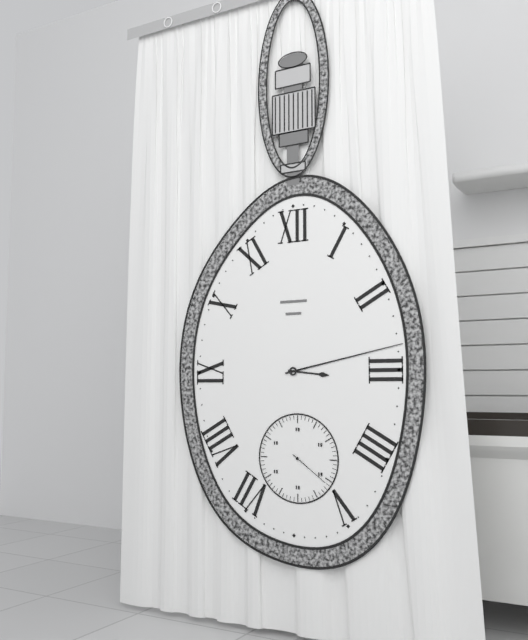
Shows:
{"hour": 3, "minute": 13}
